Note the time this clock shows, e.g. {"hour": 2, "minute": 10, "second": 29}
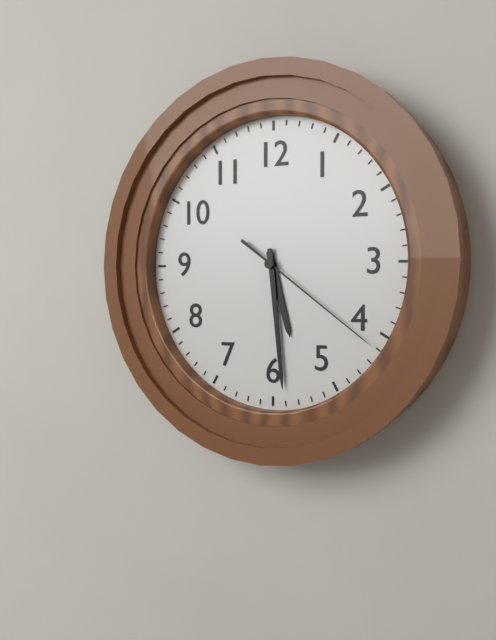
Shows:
{"hour": 5, "minute": 29, "second": 21}
